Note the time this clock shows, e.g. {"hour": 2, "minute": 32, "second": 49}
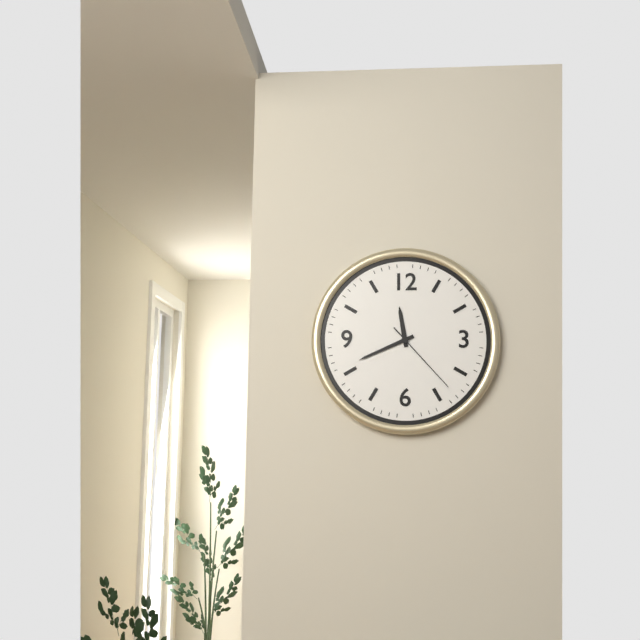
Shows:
{"hour": 11, "minute": 41, "second": 23}
